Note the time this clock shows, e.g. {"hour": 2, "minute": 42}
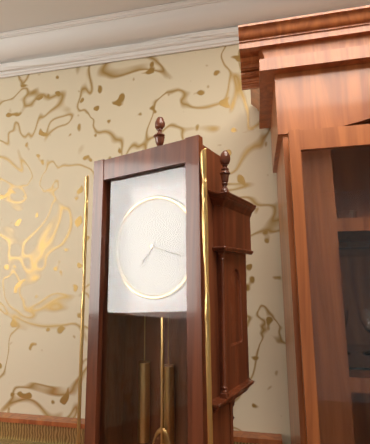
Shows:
{"hour": 7, "minute": 18}
